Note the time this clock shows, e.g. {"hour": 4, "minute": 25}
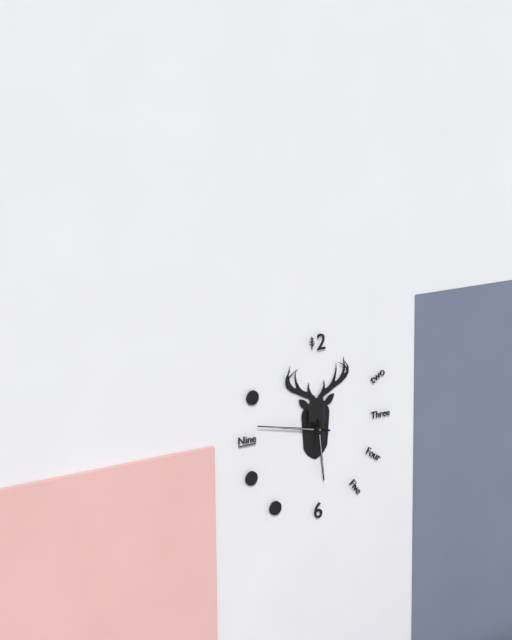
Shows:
{"hour": 5, "minute": 47}
